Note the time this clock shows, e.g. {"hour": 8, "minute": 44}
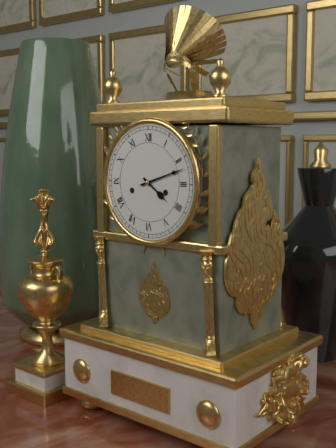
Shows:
{"hour": 4, "minute": 12}
